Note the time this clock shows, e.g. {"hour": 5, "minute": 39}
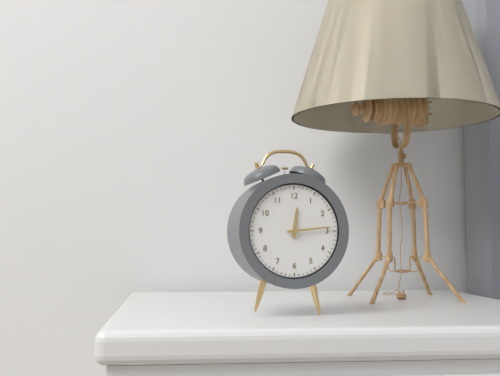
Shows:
{"hour": 12, "minute": 14}
